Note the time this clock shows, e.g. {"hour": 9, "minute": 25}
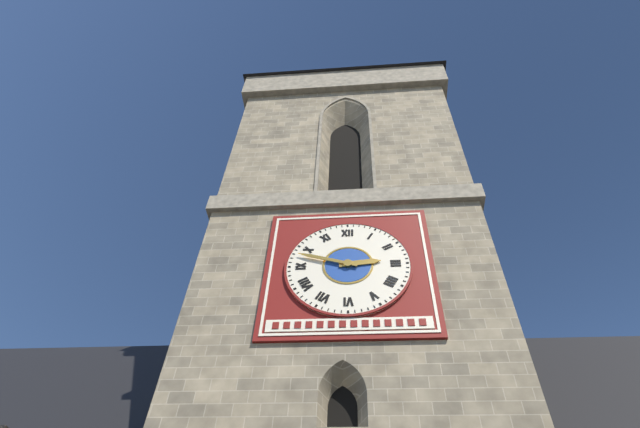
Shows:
{"hour": 2, "minute": 48}
